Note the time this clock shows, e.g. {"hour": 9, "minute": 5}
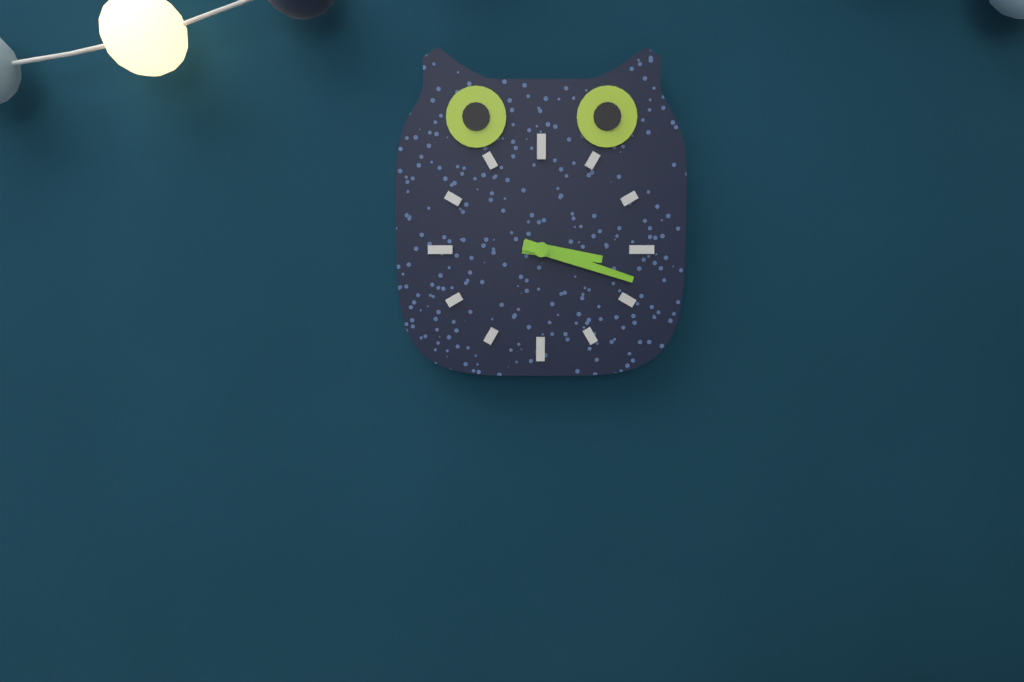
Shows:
{"hour": 3, "minute": 18}
